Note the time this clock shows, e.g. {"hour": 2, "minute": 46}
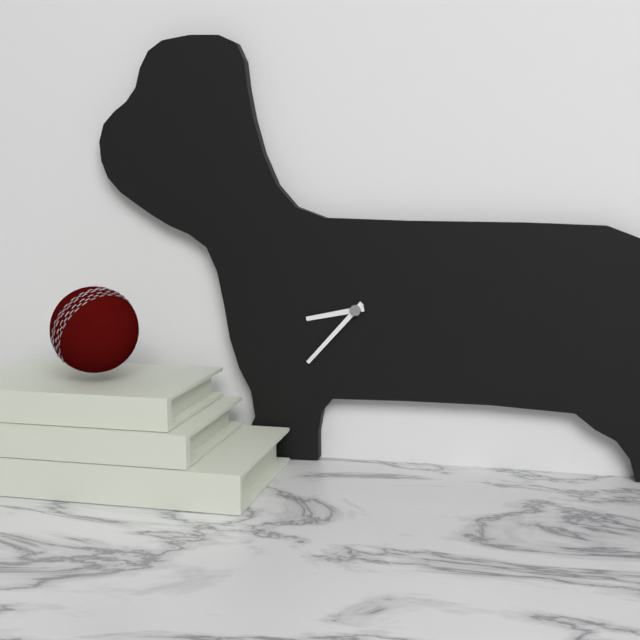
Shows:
{"hour": 8, "minute": 37}
